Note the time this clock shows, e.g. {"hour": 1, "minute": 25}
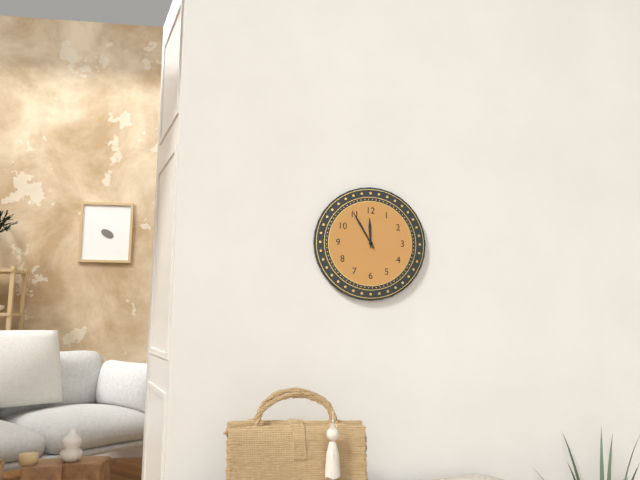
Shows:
{"hour": 11, "minute": 55}
